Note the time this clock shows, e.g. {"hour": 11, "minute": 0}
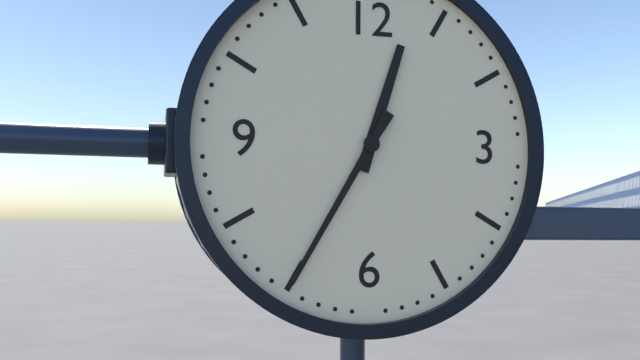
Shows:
{"hour": 12, "minute": 35}
